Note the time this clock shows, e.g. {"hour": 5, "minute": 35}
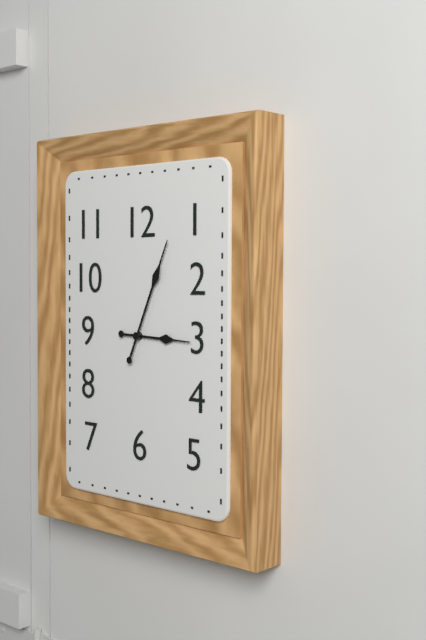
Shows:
{"hour": 3, "minute": 4}
